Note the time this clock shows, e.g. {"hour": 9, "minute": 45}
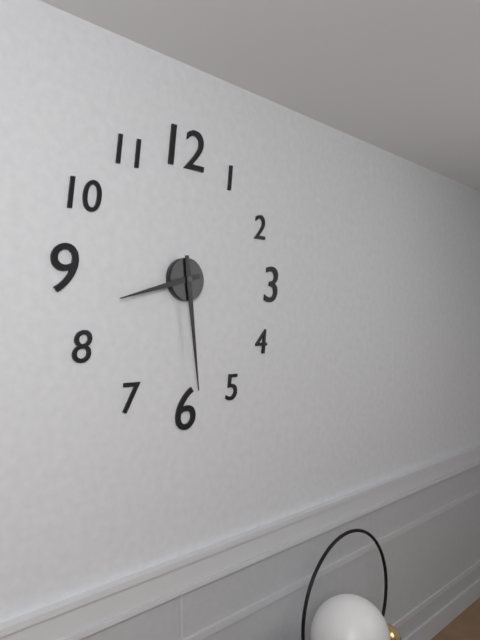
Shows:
{"hour": 8, "minute": 29}
